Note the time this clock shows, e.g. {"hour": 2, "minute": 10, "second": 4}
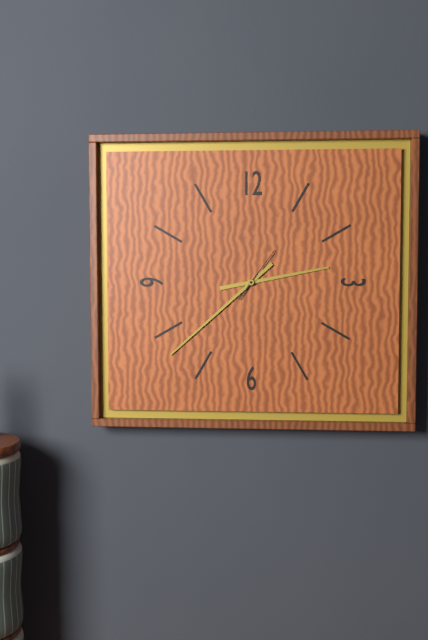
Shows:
{"hour": 2, "minute": 38, "second": 6}
